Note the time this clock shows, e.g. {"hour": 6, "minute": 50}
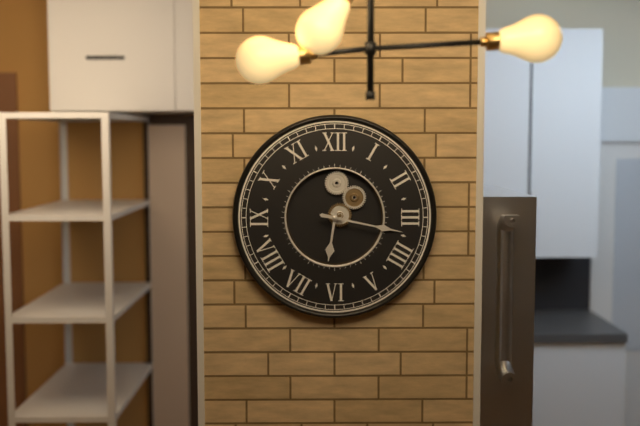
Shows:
{"hour": 6, "minute": 17}
